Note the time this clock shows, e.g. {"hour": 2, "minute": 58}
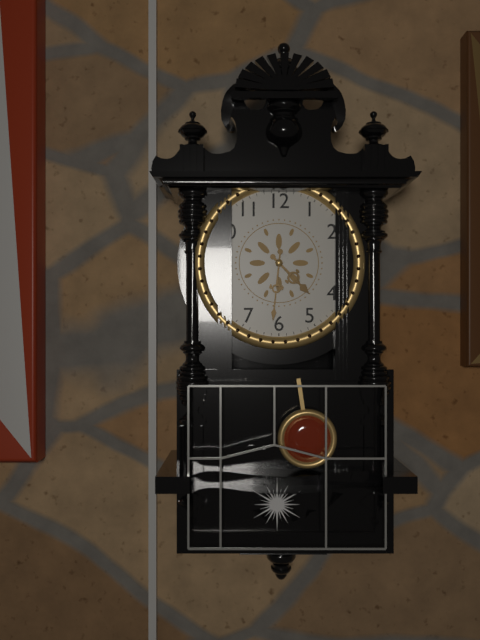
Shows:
{"hour": 4, "minute": 31}
